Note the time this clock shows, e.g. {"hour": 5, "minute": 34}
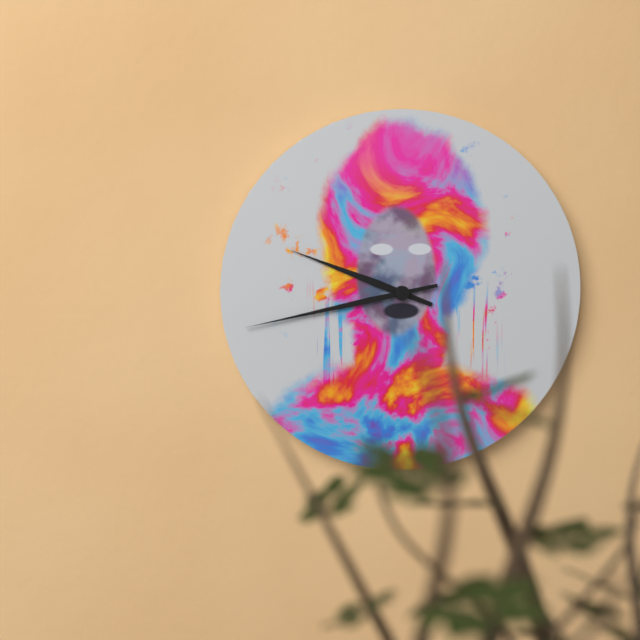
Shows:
{"hour": 9, "minute": 43}
